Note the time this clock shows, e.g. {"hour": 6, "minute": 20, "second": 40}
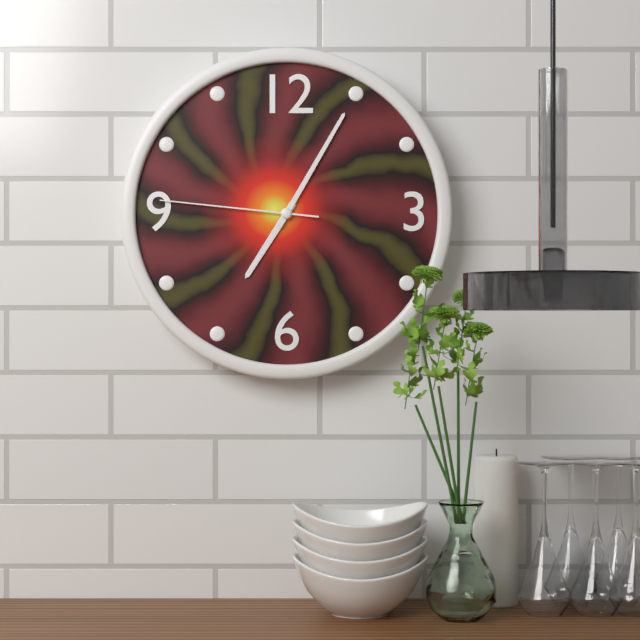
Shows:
{"hour": 7, "minute": 5, "second": 46}
